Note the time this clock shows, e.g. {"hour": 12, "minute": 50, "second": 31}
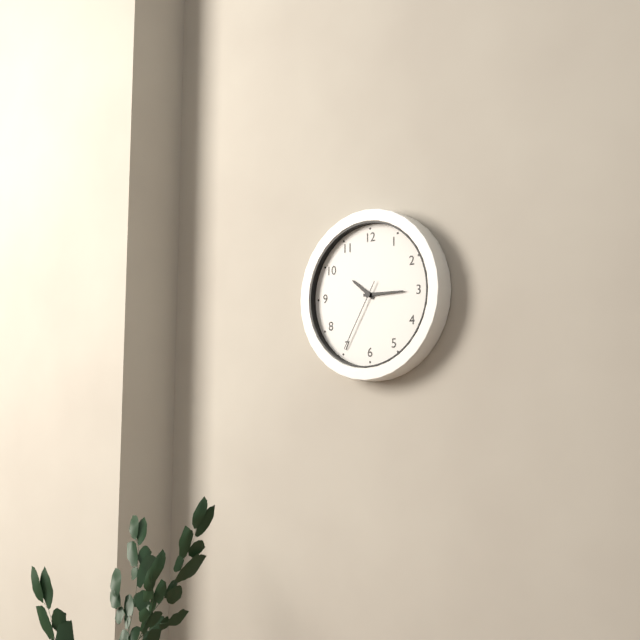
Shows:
{"hour": 10, "minute": 15, "second": 35}
